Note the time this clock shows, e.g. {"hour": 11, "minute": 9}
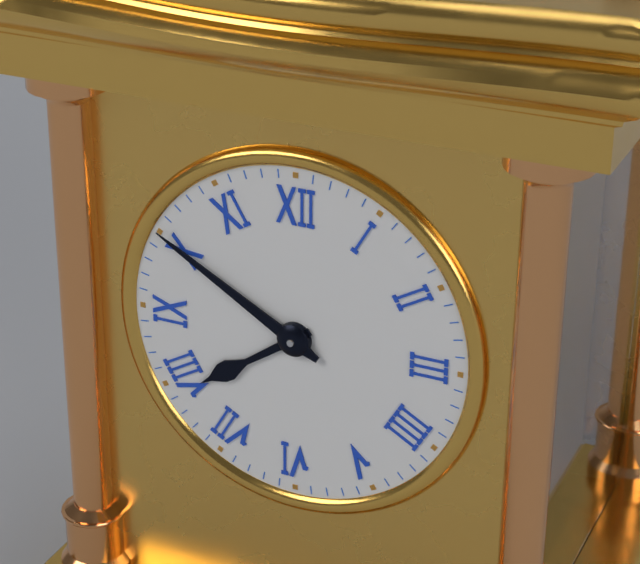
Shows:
{"hour": 7, "minute": 50}
